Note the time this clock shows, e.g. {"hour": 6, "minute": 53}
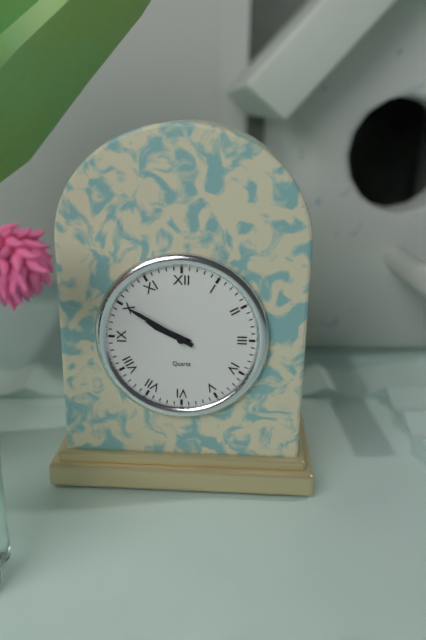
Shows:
{"hour": 9, "minute": 50}
